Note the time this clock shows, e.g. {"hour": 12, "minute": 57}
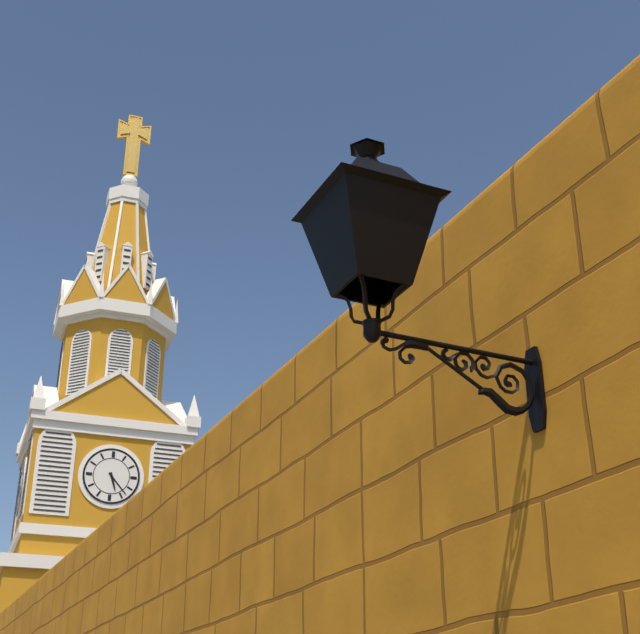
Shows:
{"hour": 5, "minute": 23}
